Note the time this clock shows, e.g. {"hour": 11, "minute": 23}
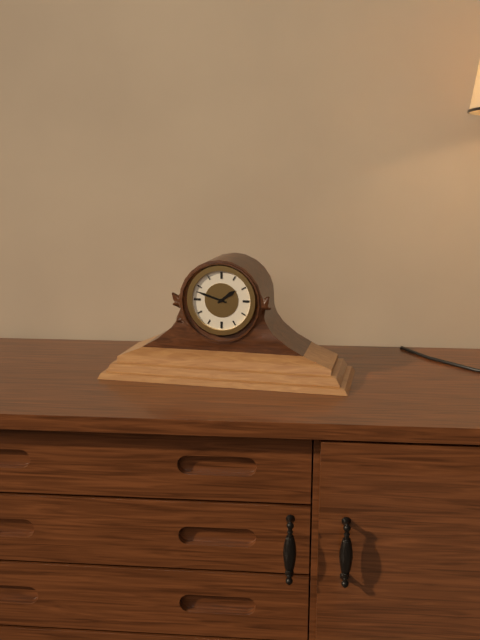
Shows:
{"hour": 1, "minute": 48}
